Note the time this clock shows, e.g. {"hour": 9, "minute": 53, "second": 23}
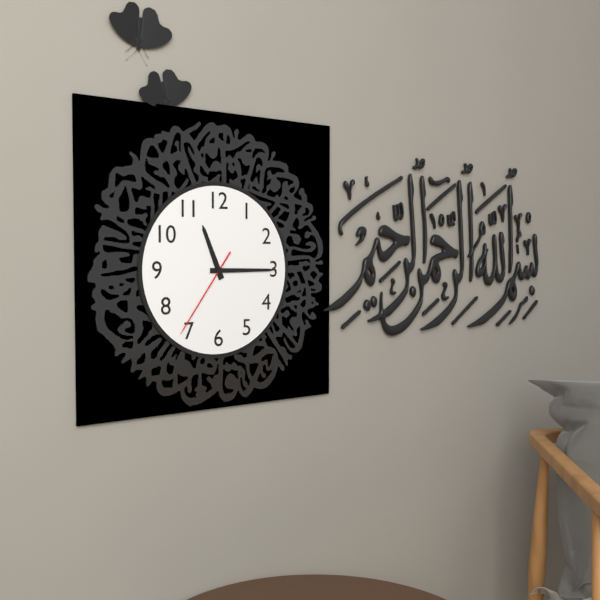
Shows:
{"hour": 11, "minute": 15, "second": 36}
